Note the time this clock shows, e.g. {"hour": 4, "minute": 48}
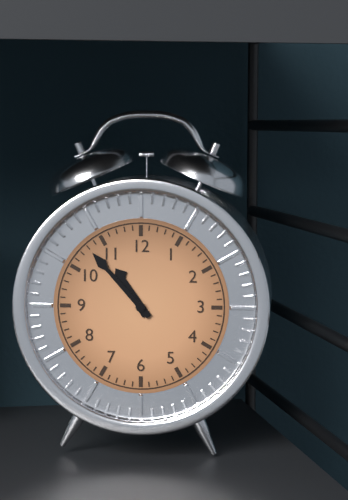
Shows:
{"hour": 10, "minute": 53}
